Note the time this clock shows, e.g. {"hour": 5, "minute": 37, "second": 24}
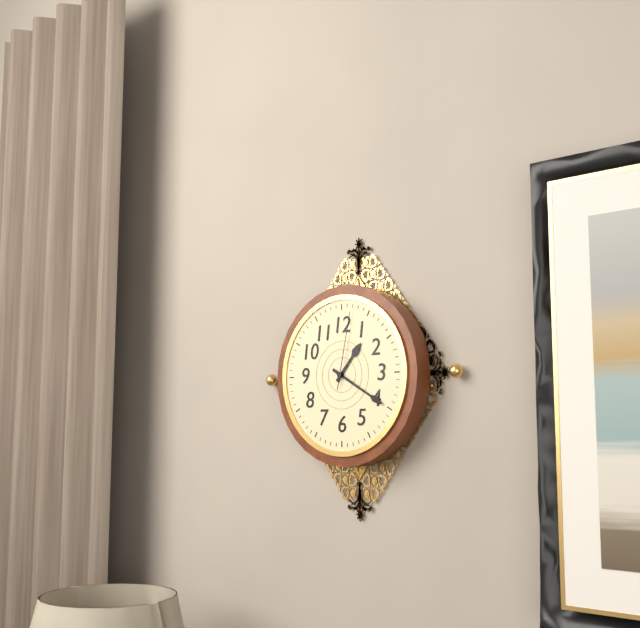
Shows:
{"hour": 1, "minute": 20, "second": 2}
